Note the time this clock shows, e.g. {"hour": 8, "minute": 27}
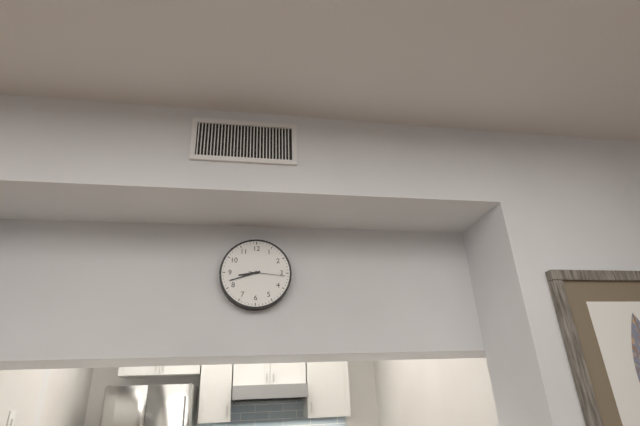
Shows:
{"hour": 8, "minute": 42}
